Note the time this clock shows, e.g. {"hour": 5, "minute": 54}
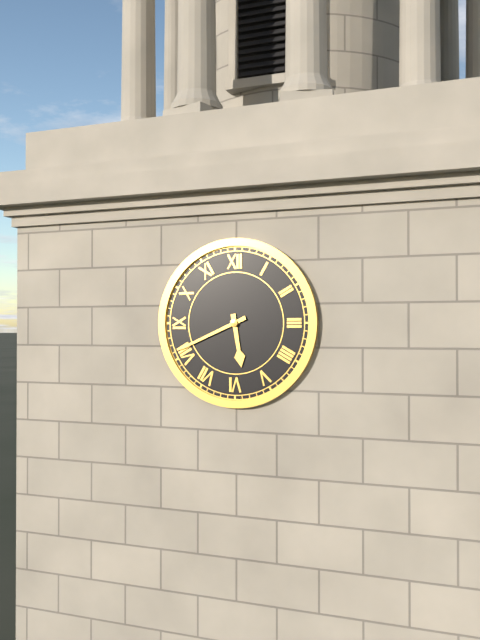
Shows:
{"hour": 5, "minute": 41}
